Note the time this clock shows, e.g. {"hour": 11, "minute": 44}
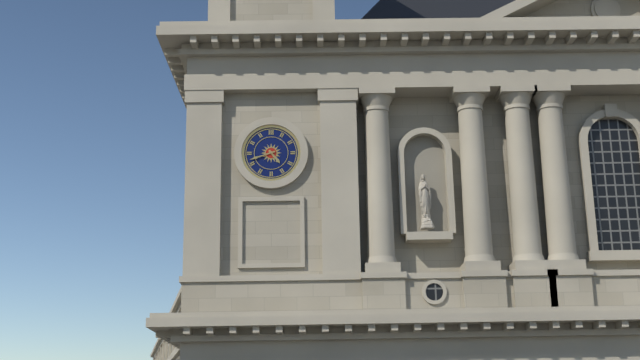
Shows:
{"hour": 4, "minute": 42}
